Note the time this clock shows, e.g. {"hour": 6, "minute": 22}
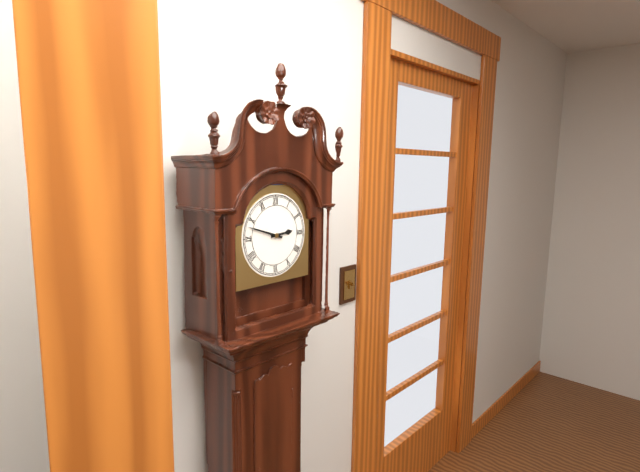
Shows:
{"hour": 2, "minute": 48}
